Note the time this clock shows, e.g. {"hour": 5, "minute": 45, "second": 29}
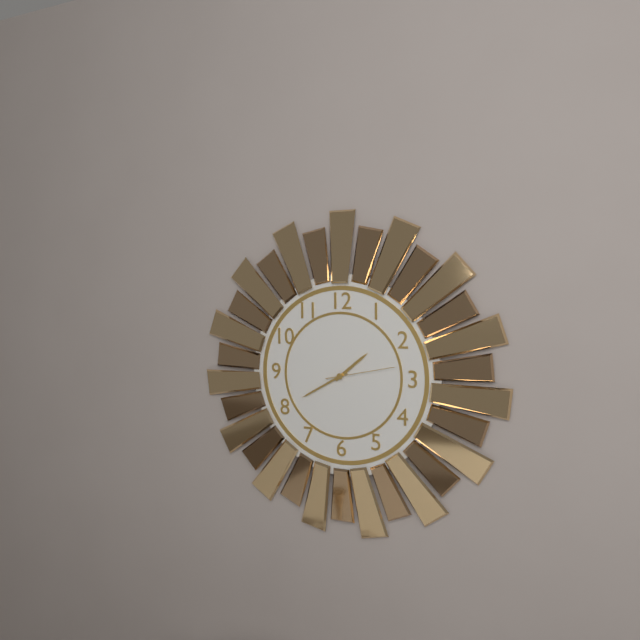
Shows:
{"hour": 1, "minute": 40, "second": 13}
